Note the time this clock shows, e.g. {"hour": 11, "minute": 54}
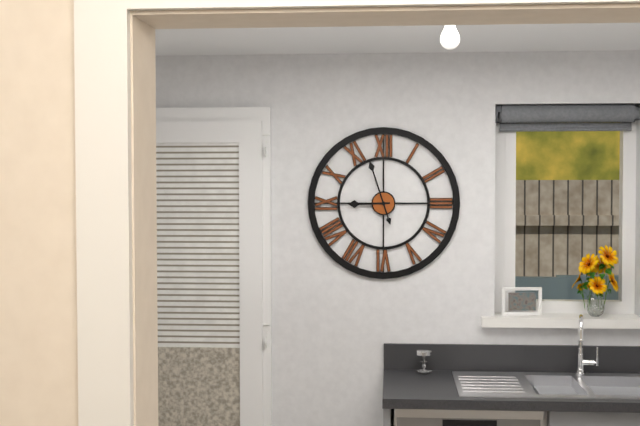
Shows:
{"hour": 8, "minute": 57}
